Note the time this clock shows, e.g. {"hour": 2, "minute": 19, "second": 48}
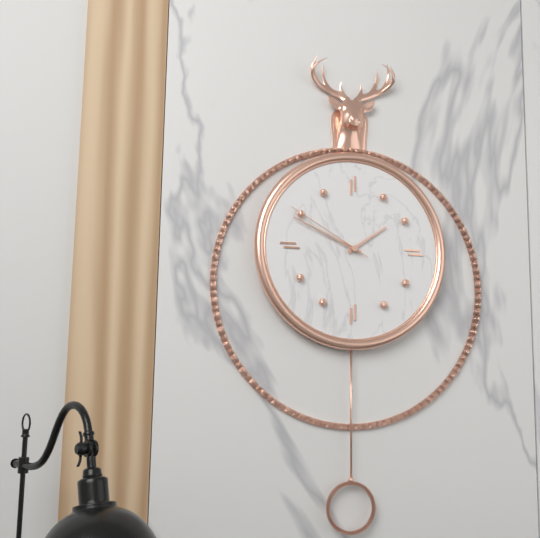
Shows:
{"hour": 1, "minute": 49, "second": 50}
